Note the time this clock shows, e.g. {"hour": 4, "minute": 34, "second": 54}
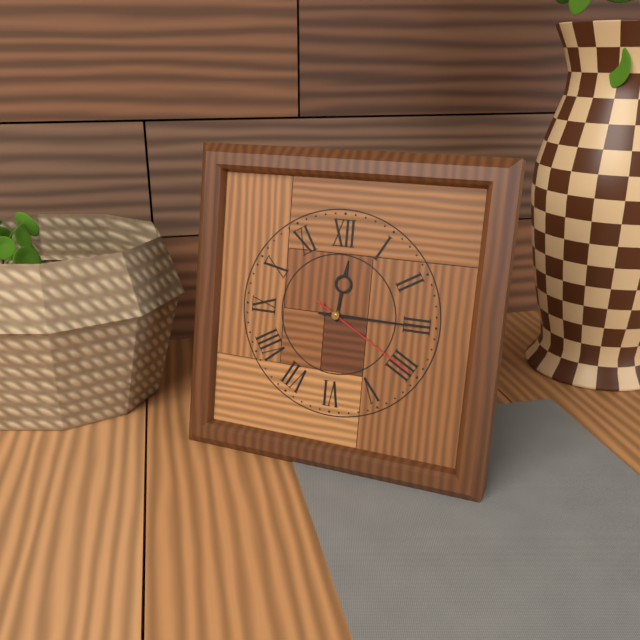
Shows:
{"hour": 12, "minute": 15, "second": 20}
